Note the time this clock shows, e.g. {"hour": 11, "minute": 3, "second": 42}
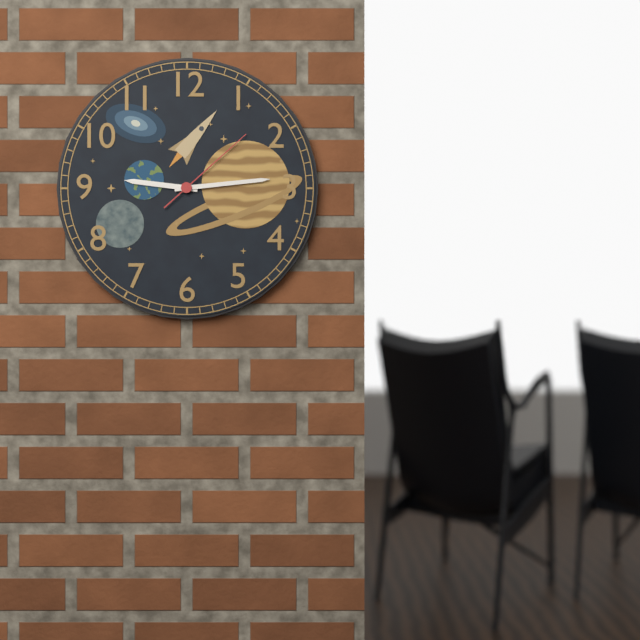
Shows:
{"hour": 9, "minute": 14, "second": 8}
